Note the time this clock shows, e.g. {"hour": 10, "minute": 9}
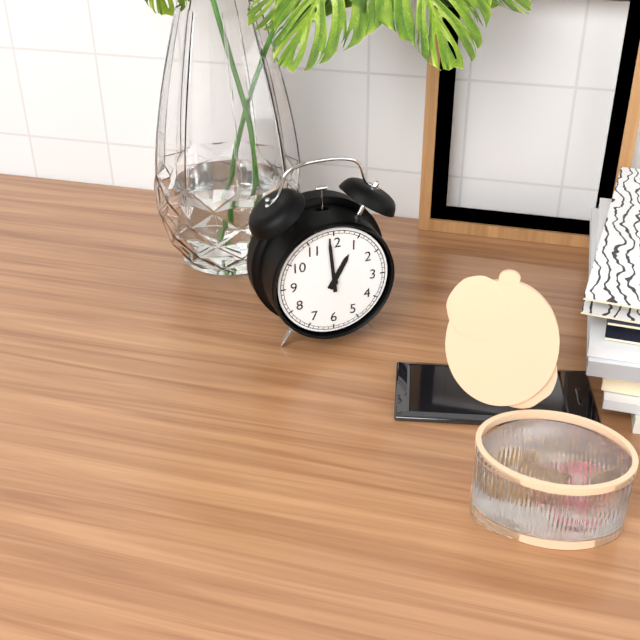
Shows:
{"hour": 12, "minute": 59}
